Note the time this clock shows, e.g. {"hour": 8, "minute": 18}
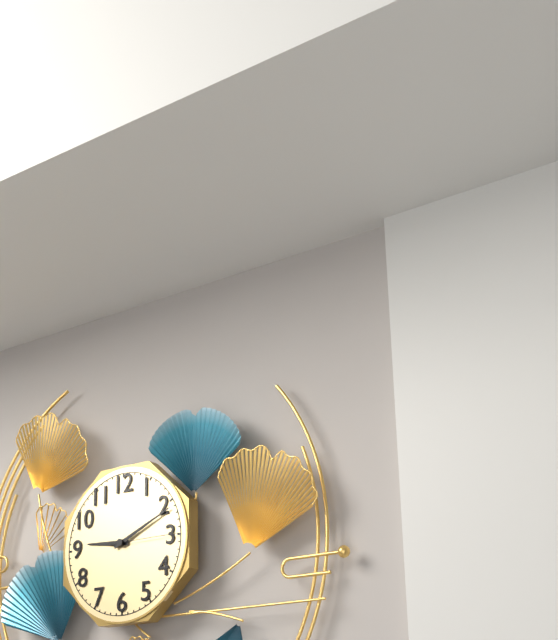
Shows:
{"hour": 9, "minute": 11}
